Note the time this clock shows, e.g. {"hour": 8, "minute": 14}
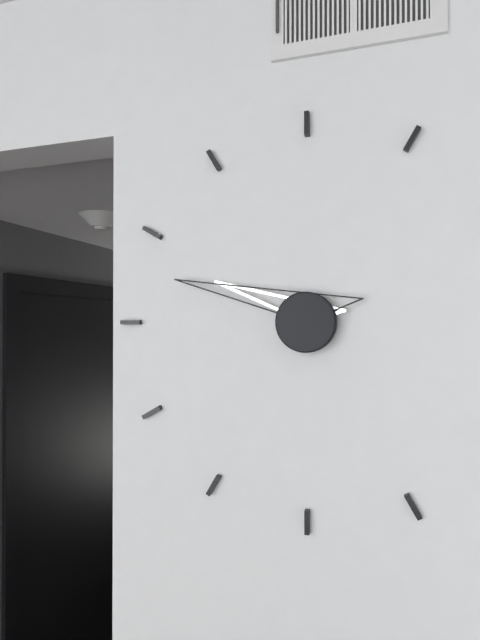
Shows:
{"hour": 9, "minute": 48}
